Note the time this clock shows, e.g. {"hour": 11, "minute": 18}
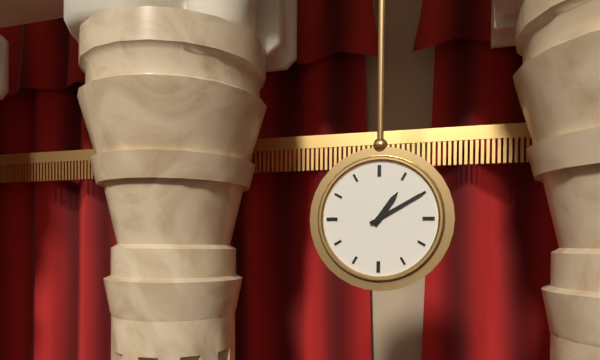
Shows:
{"hour": 1, "minute": 10}
